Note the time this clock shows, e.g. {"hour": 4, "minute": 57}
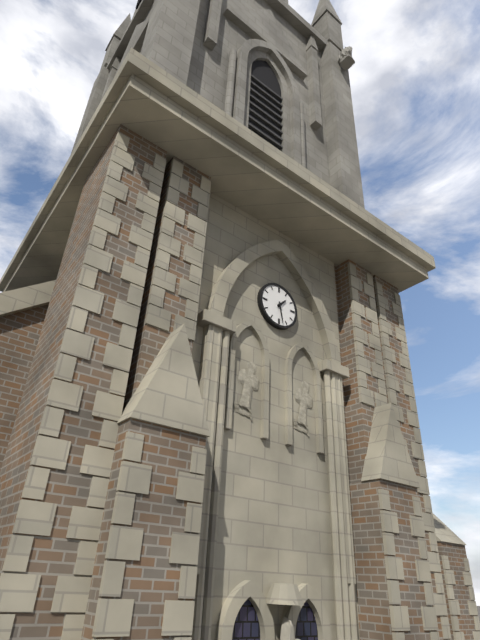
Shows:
{"hour": 1, "minute": 28}
